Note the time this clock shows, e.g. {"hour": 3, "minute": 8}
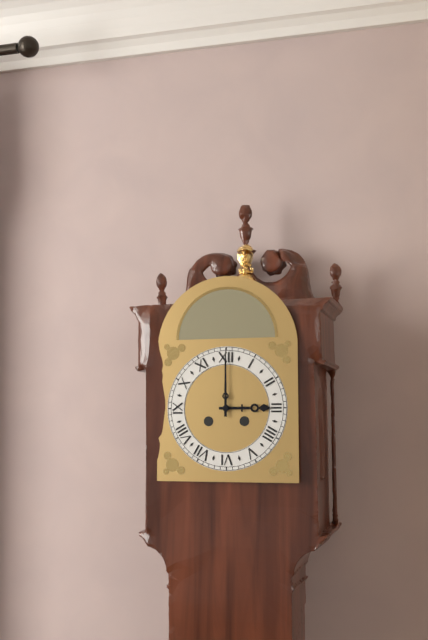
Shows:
{"hour": 3, "minute": 0}
